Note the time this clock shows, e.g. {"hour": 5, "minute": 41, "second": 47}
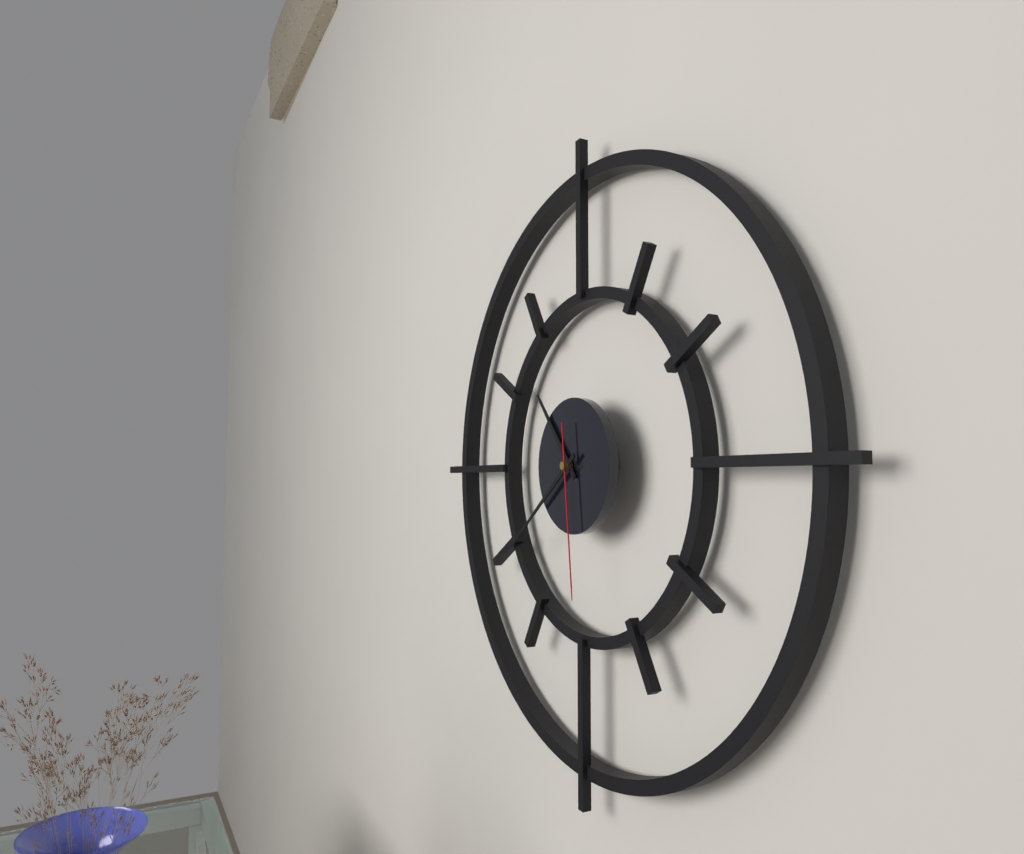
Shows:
{"hour": 10, "minute": 39, "second": 29}
